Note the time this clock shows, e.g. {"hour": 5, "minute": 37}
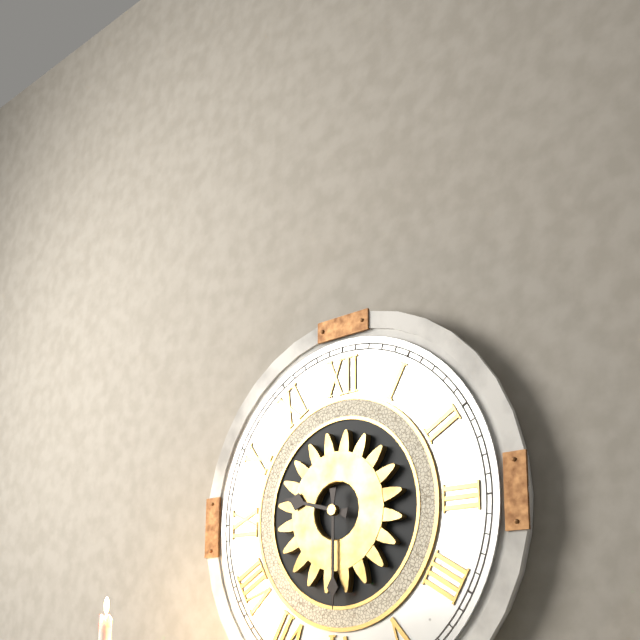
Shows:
{"hour": 9, "minute": 30}
